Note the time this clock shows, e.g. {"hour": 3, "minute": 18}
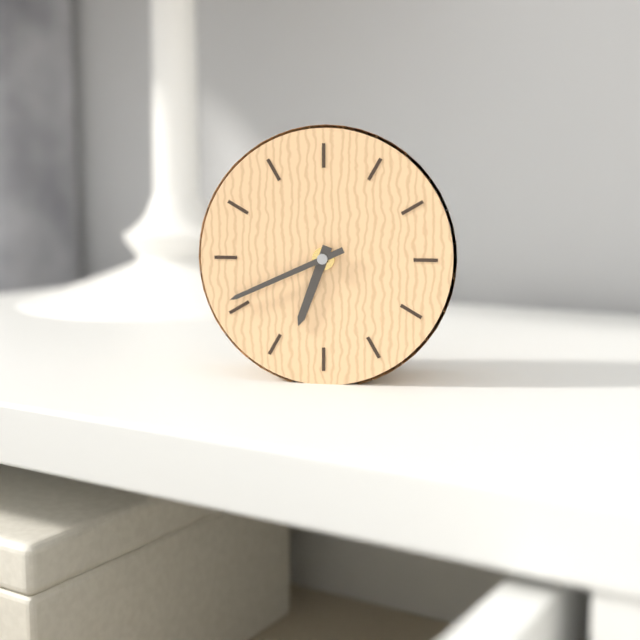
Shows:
{"hour": 6, "minute": 41}
